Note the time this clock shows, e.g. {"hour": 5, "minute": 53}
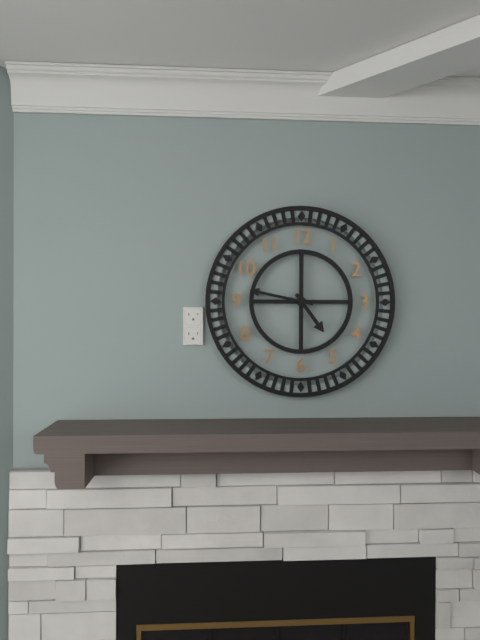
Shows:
{"hour": 4, "minute": 47}
